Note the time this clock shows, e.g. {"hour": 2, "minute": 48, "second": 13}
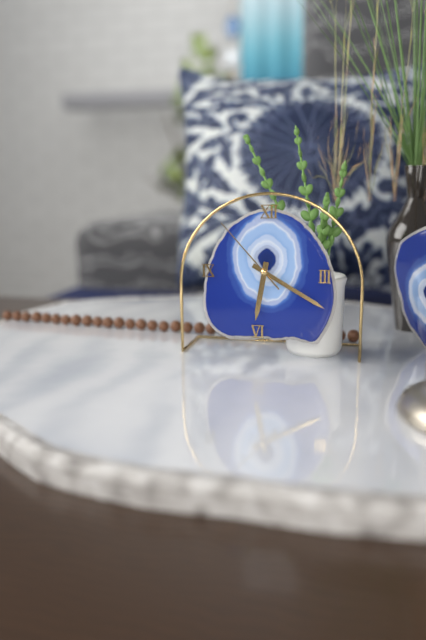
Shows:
{"hour": 6, "minute": 20, "second": 53}
